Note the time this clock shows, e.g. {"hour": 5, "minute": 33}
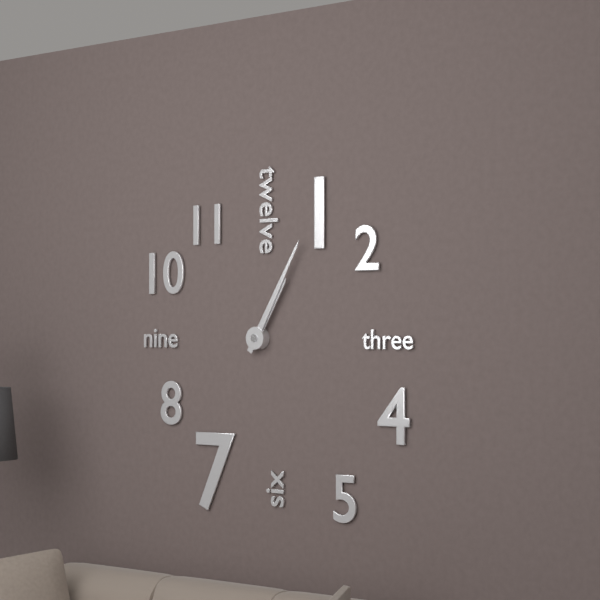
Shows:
{"hour": 1, "minute": 5}
